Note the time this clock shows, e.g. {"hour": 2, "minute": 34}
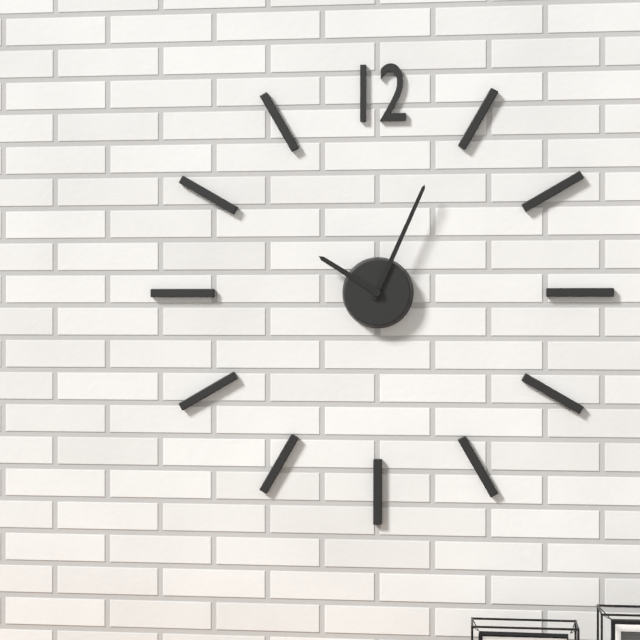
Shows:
{"hour": 10, "minute": 4}
